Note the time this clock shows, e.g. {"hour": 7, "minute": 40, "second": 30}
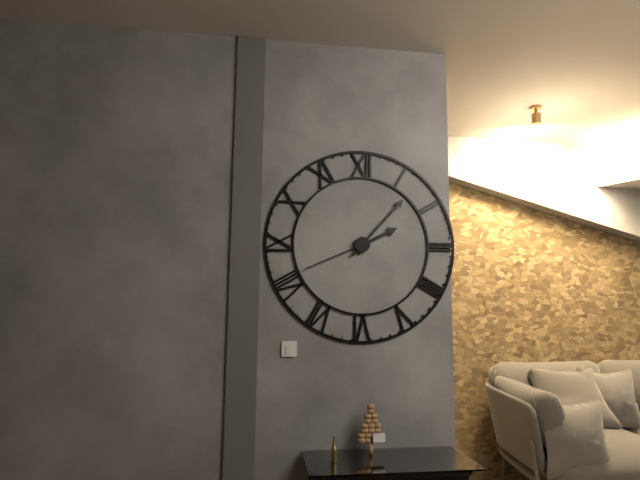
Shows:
{"hour": 2, "minute": 7, "second": 41}
